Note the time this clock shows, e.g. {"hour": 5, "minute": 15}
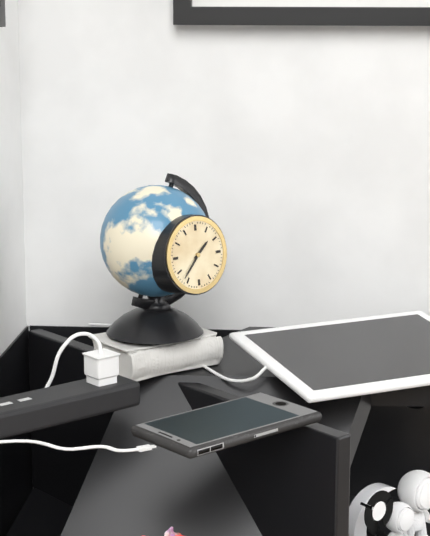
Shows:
{"hour": 1, "minute": 37}
